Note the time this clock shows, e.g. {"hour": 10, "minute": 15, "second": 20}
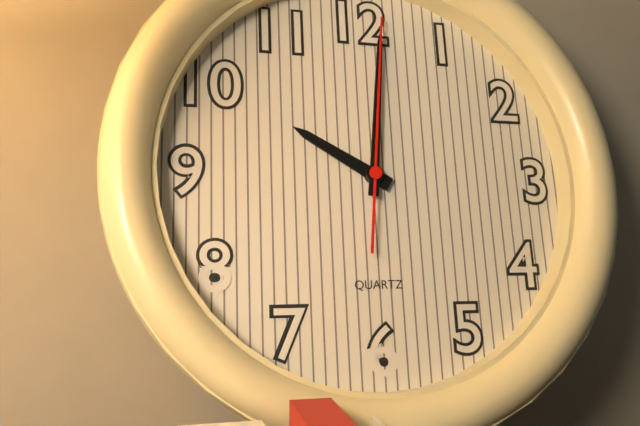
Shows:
{"hour": 10, "minute": 1, "second": 1}
